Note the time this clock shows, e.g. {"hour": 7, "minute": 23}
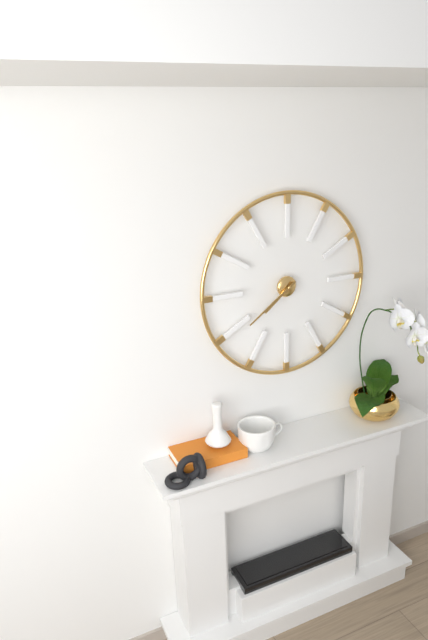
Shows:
{"hour": 7, "minute": 39}
